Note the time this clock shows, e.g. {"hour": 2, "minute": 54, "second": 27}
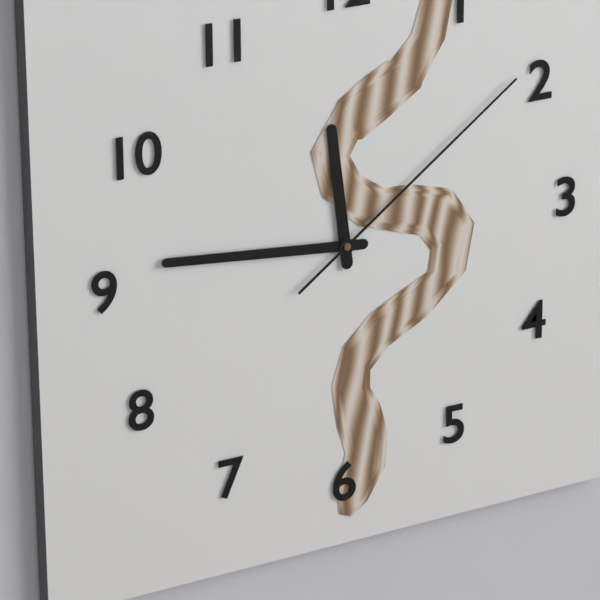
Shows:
{"hour": 11, "minute": 46, "second": 9}
